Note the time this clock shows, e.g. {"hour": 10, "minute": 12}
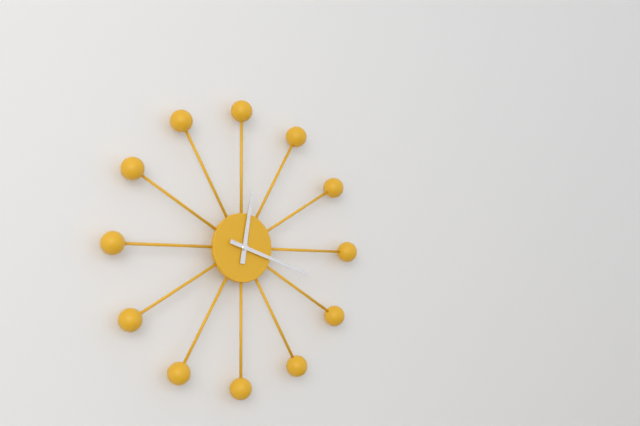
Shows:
{"hour": 12, "minute": 18}
